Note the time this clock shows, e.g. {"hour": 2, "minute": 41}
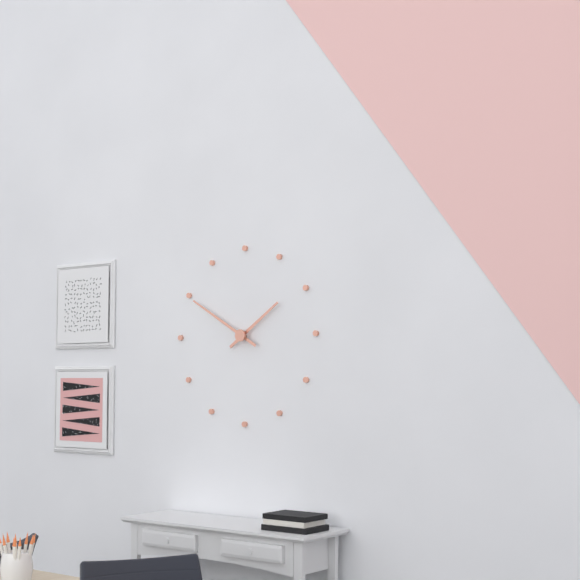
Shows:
{"hour": 1, "minute": 50}
